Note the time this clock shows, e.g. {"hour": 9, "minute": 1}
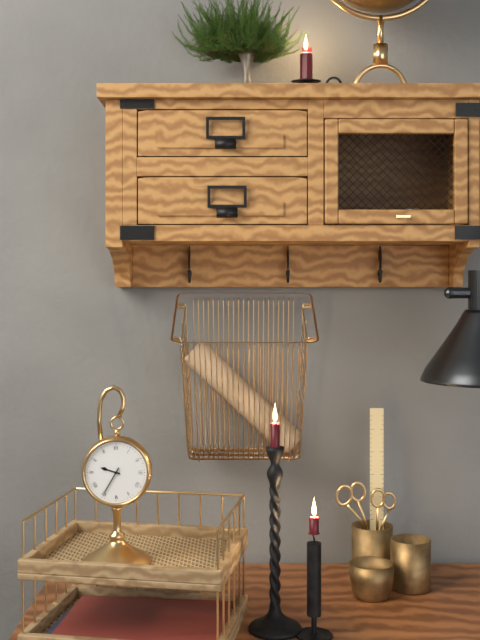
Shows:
{"hour": 9, "minute": 35}
